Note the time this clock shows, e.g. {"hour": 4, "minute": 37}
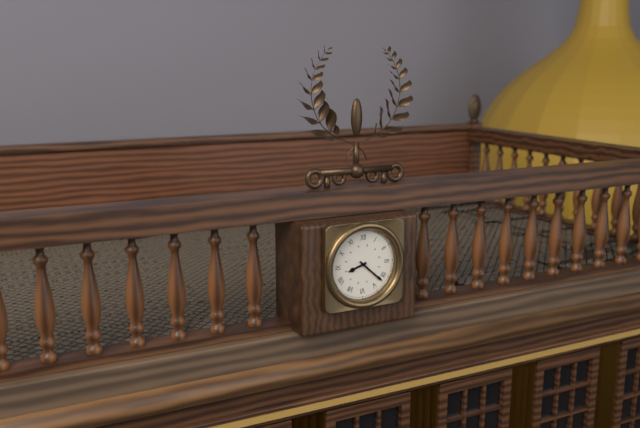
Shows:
{"hour": 8, "minute": 22}
